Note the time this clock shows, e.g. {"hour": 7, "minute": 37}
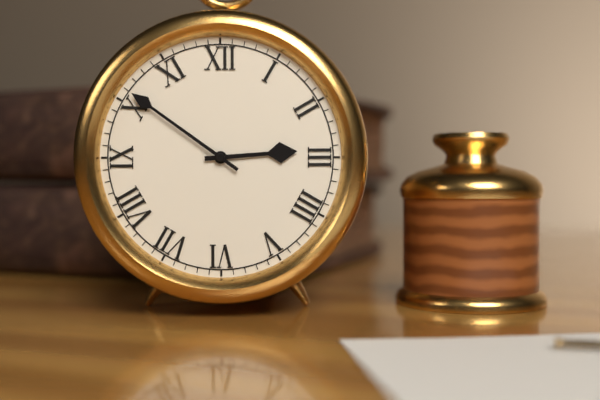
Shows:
{"hour": 2, "minute": 51}
